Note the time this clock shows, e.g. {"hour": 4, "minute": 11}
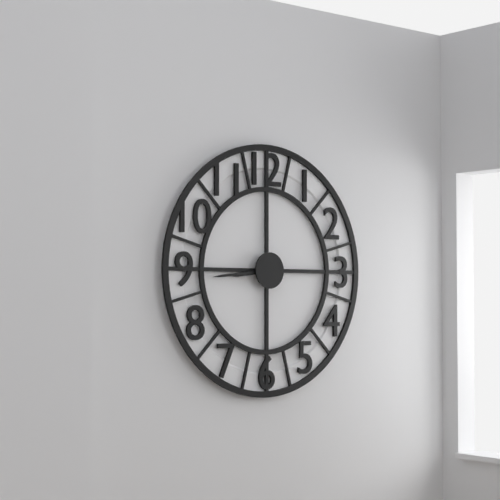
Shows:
{"hour": 8, "minute": 44}
